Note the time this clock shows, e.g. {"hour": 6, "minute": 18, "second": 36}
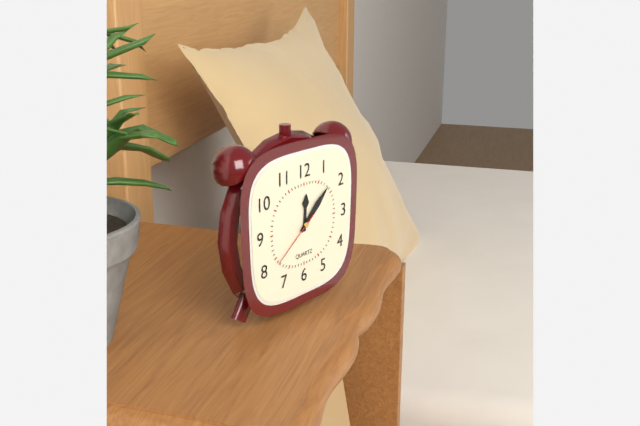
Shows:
{"hour": 12, "minute": 8, "second": 39}
